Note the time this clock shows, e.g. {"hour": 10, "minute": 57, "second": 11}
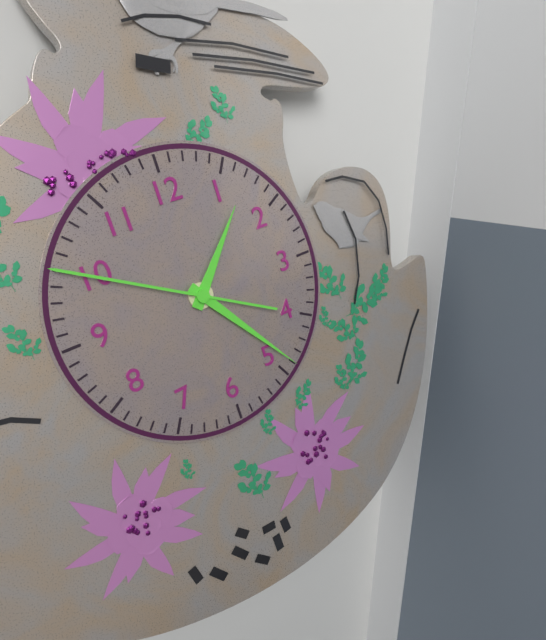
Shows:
{"hour": 1, "minute": 24, "second": 50}
